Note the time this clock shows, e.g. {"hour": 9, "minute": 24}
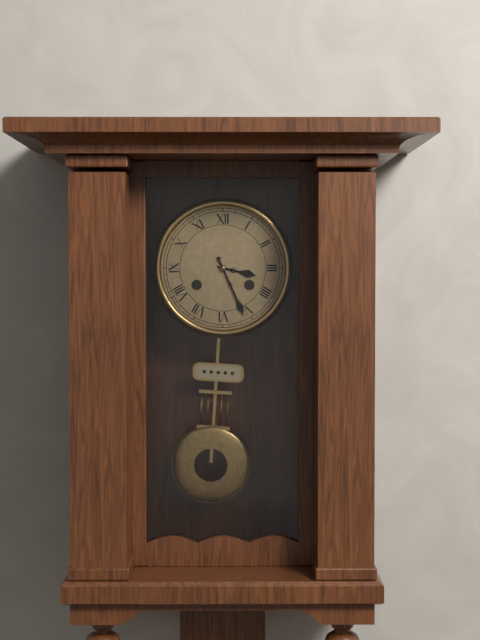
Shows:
{"hour": 3, "minute": 26}
